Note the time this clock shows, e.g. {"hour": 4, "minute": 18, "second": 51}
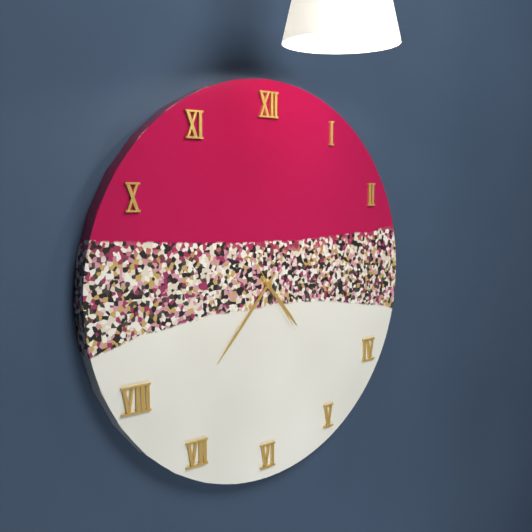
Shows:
{"hour": 4, "minute": 37, "second": 24}
